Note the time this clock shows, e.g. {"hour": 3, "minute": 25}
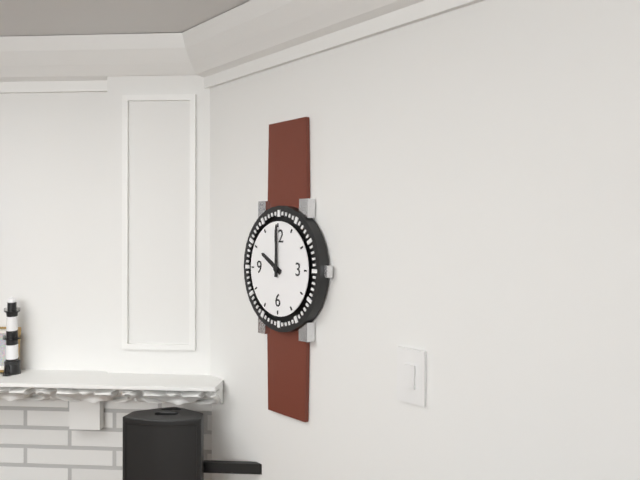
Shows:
{"hour": 10, "minute": 0}
